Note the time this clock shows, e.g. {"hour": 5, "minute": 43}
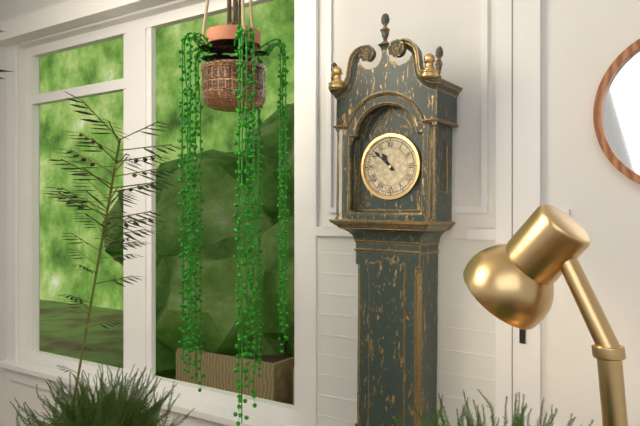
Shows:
{"hour": 10, "minute": 52}
